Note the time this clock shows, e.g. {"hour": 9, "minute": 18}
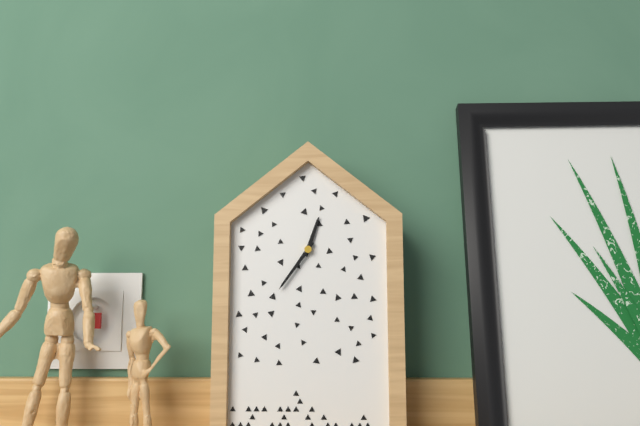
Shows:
{"hour": 12, "minute": 36}
